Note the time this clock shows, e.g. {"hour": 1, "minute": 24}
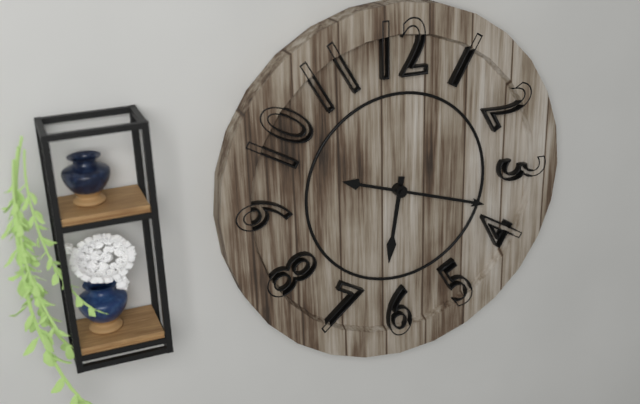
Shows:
{"hour": 6, "minute": 18}
